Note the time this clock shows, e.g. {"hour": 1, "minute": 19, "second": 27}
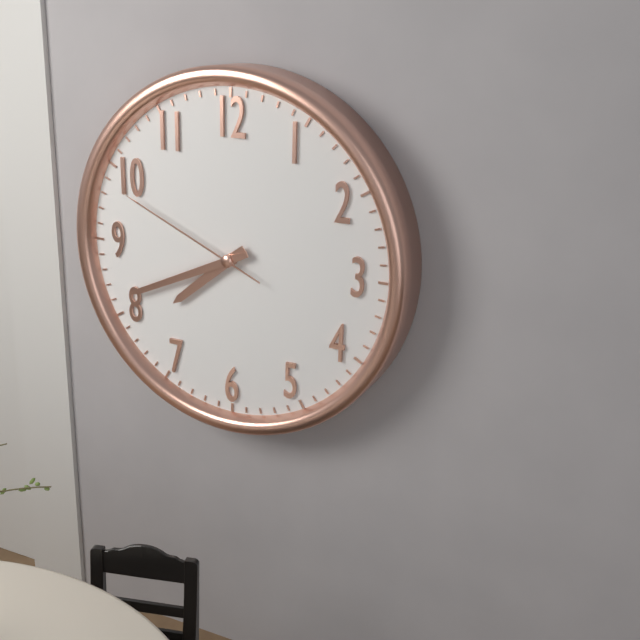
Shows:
{"hour": 7, "minute": 41, "second": 49}
